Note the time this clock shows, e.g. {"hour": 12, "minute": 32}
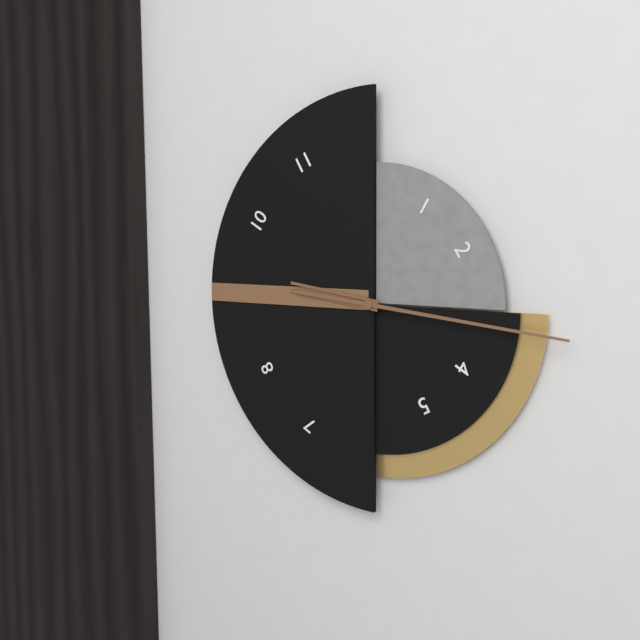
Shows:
{"hour": 9, "minute": 16}
